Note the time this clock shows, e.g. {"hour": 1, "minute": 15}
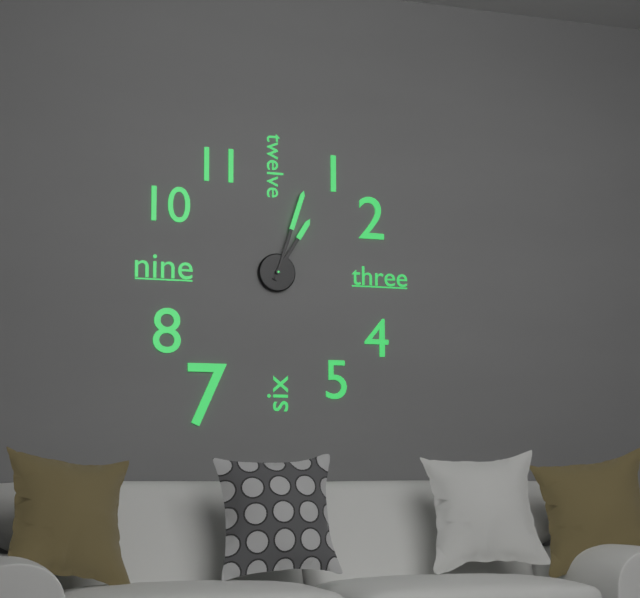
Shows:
{"hour": 1, "minute": 3}
